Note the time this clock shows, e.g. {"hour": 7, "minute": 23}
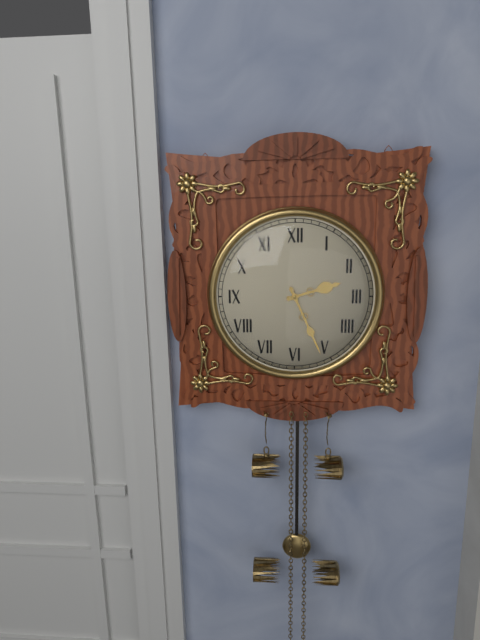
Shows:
{"hour": 2, "minute": 26}
